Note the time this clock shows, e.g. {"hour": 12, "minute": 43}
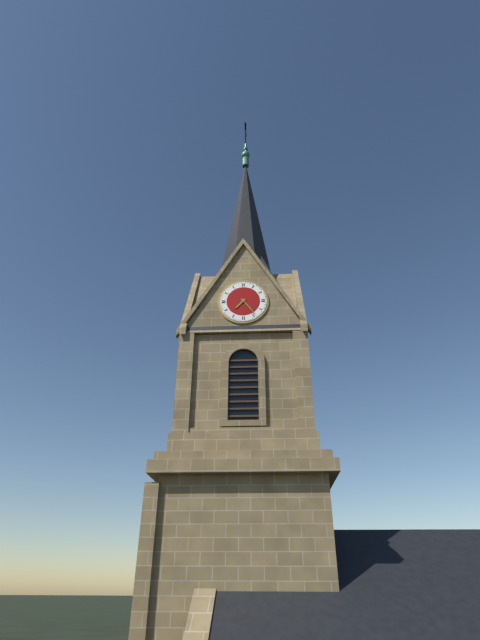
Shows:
{"hour": 7, "minute": 24}
